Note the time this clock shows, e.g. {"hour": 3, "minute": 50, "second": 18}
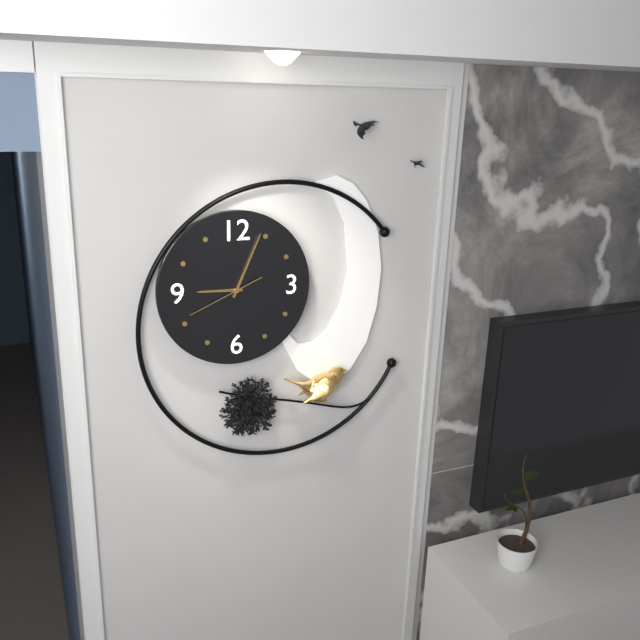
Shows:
{"hour": 9, "minute": 4, "second": 41}
